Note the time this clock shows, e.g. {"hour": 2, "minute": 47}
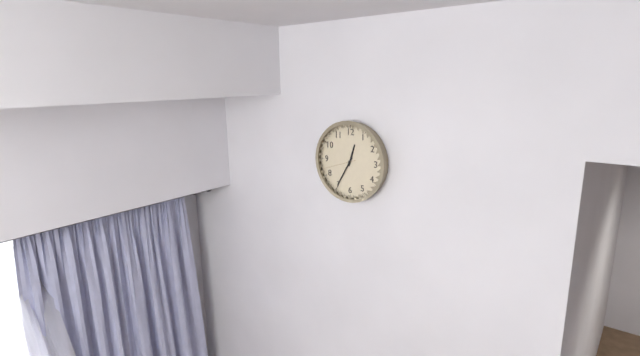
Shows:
{"hour": 12, "minute": 35}
